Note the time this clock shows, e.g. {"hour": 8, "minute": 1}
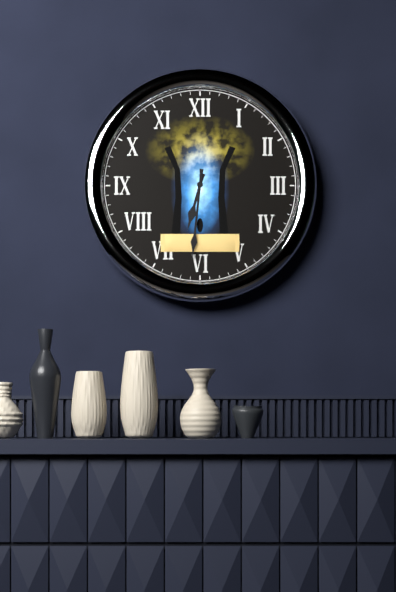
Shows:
{"hour": 6, "minute": 31}
